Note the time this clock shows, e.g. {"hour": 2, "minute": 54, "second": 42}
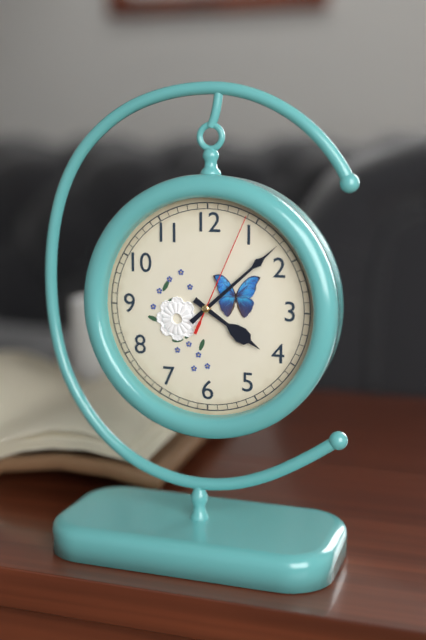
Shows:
{"hour": 4, "minute": 8, "second": 4}
